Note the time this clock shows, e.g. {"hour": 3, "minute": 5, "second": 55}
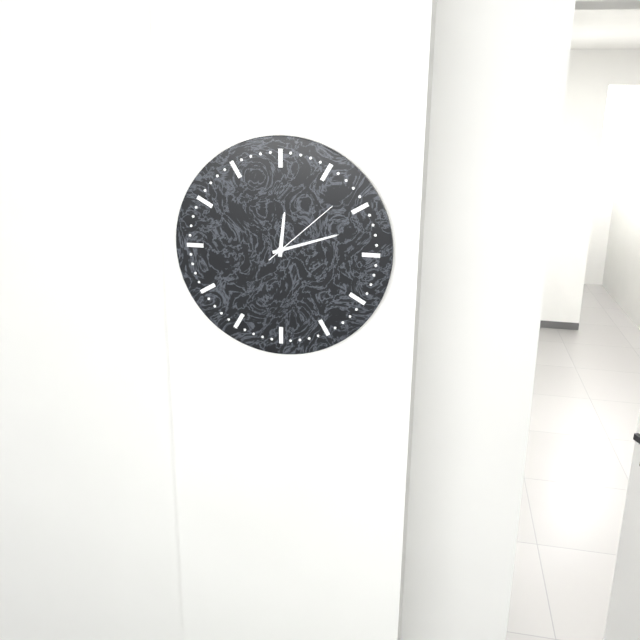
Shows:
{"hour": 12, "minute": 12, "second": 8}
